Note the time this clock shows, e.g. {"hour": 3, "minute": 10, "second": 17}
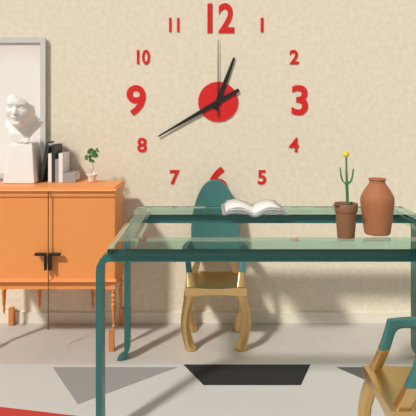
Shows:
{"hour": 12, "minute": 40, "second": 0}
